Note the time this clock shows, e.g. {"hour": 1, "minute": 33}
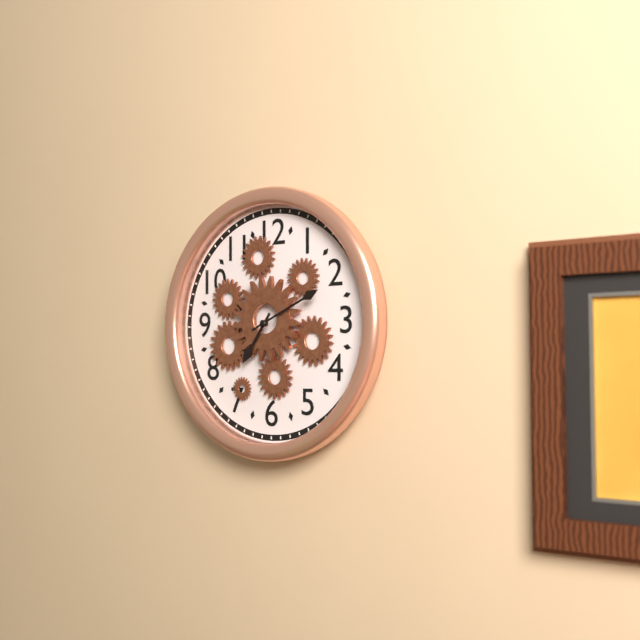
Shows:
{"hour": 7, "minute": 11}
